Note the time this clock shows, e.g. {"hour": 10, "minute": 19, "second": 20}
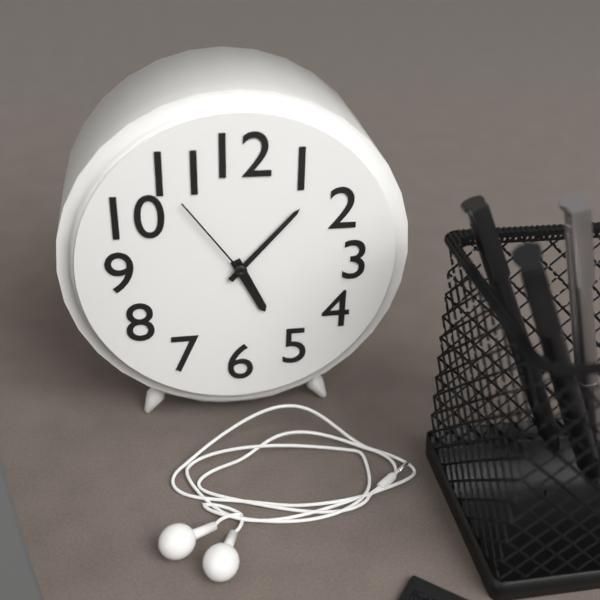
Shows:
{"hour": 5, "minute": 7, "second": 54}
